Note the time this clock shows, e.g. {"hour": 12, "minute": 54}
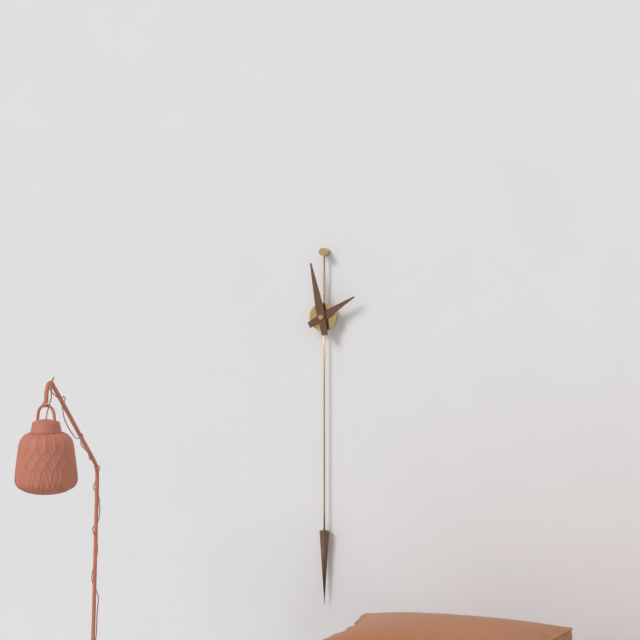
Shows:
{"hour": 1, "minute": 58}
